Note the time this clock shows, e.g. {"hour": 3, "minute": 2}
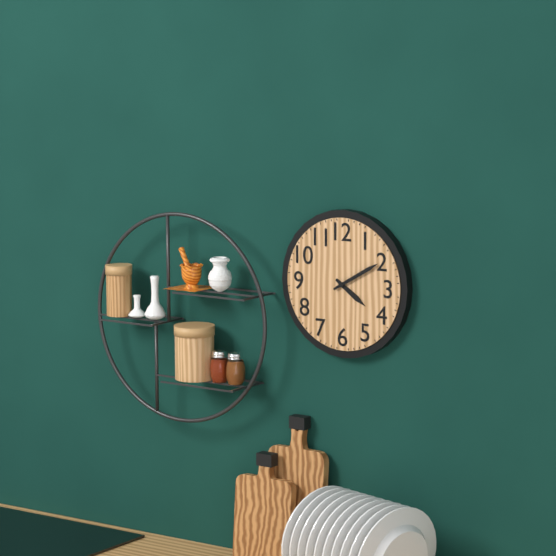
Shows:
{"hour": 4, "minute": 10}
